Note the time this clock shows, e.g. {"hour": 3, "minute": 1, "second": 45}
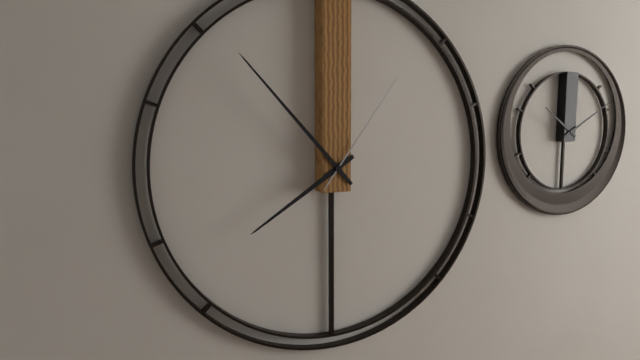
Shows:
{"hour": 7, "minute": 53, "second": 6}
